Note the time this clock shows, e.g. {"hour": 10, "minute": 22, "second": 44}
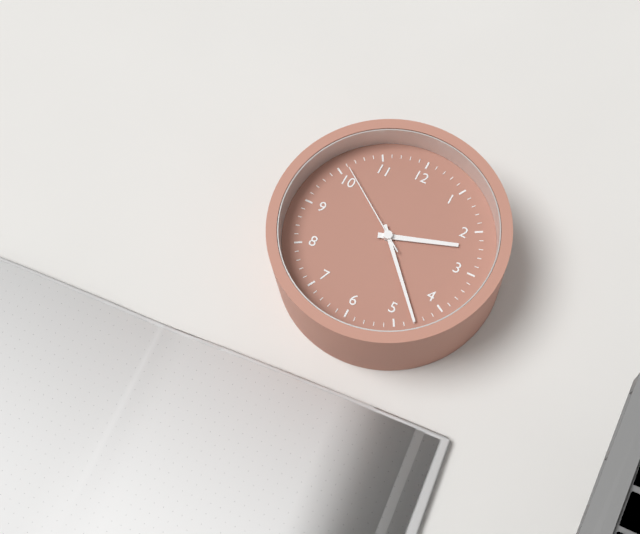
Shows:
{"hour": 2, "minute": 23, "second": 51}
